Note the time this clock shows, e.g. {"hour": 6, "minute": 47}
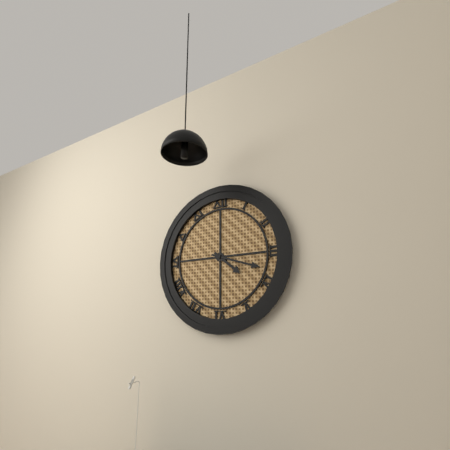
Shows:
{"hour": 4, "minute": 18}
